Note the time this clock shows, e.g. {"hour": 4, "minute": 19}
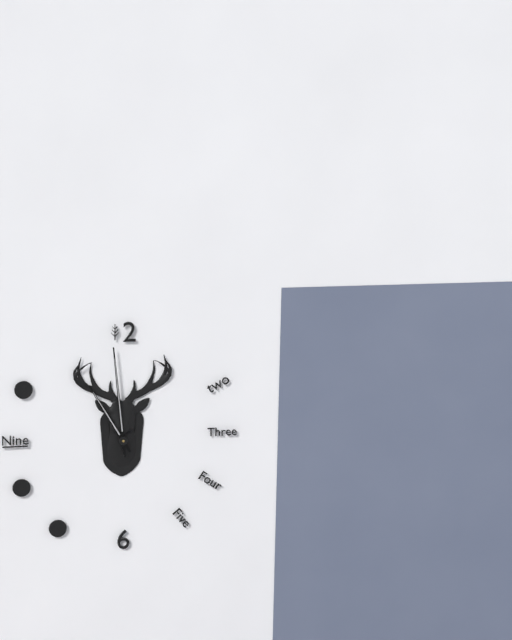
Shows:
{"hour": 10, "minute": 59}
